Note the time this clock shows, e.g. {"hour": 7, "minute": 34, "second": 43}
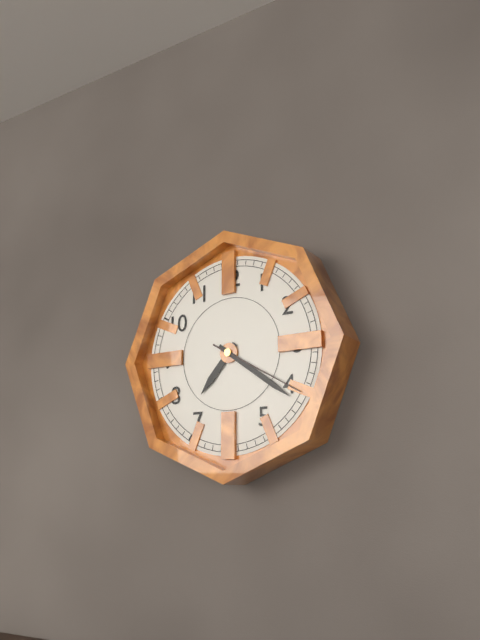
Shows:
{"hour": 7, "minute": 21, "second": 20}
